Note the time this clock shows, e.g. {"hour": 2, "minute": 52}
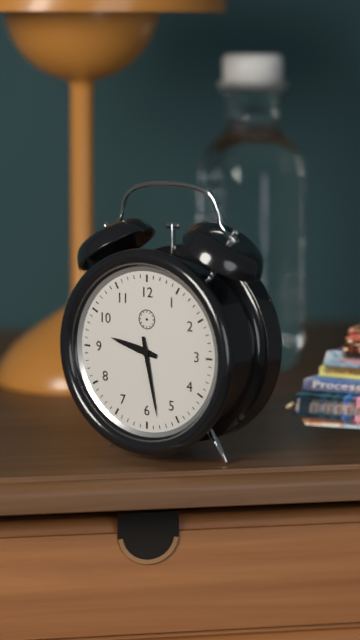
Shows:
{"hour": 9, "minute": 28}
